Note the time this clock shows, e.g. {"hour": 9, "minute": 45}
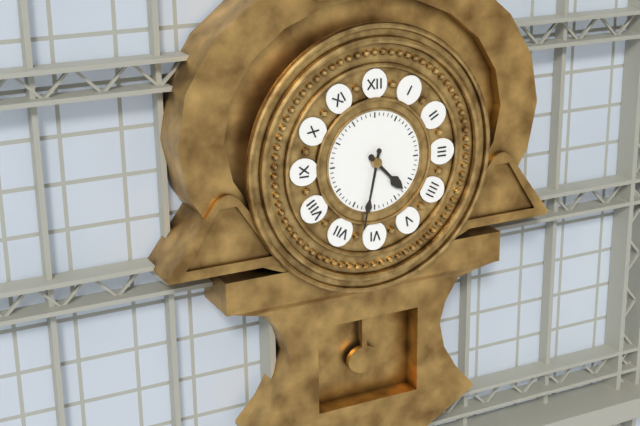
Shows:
{"hour": 4, "minute": 32}
